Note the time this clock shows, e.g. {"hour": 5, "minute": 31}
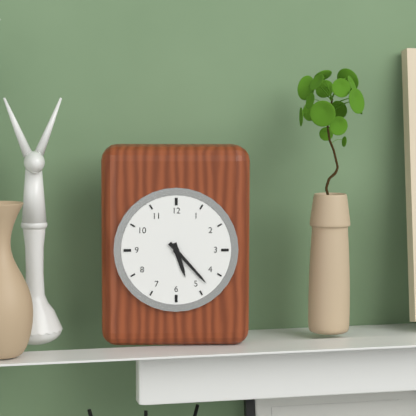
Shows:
{"hour": 5, "minute": 23}
